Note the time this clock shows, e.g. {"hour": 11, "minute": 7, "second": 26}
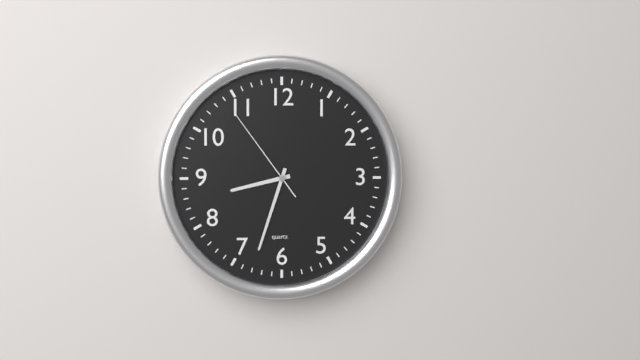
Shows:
{"hour": 8, "minute": 33, "second": 54}
